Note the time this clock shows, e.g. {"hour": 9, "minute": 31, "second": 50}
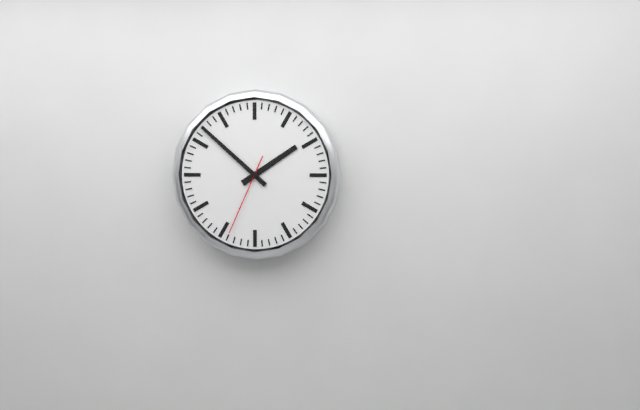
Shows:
{"hour": 1, "minute": 52, "second": 34}
